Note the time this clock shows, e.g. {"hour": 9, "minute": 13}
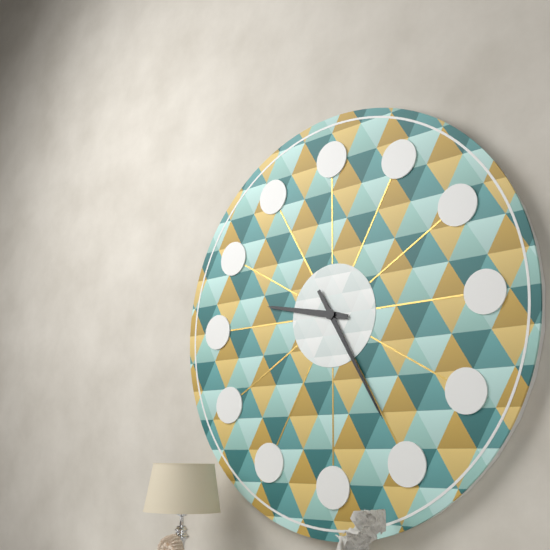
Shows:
{"hour": 9, "minute": 25}
